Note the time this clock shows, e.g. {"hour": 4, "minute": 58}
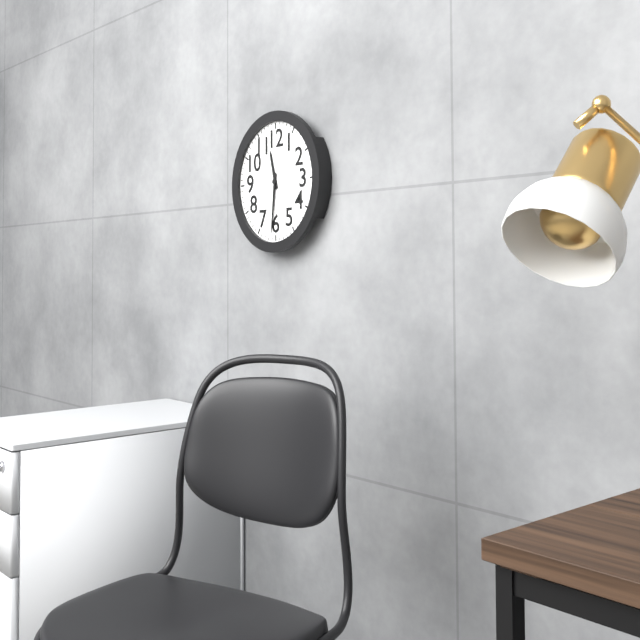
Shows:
{"hour": 11, "minute": 31}
